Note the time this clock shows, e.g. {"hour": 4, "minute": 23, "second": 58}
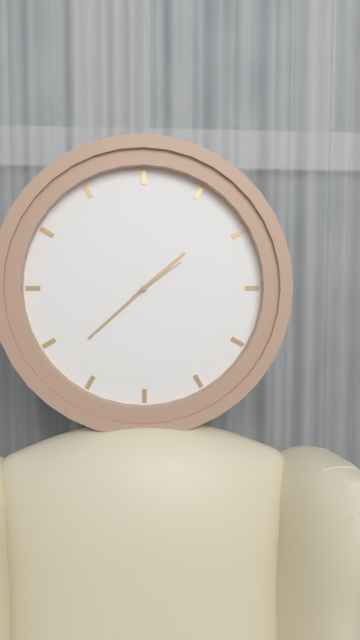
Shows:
{"hour": 1, "minute": 38, "second": 9}
